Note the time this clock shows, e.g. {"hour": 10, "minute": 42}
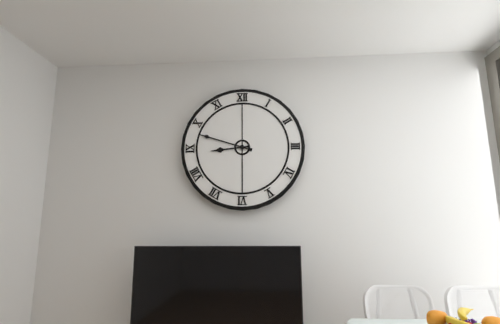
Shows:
{"hour": 8, "minute": 48}
